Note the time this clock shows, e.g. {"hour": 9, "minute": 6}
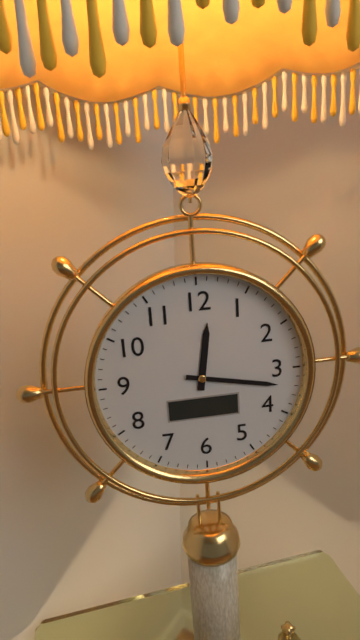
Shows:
{"hour": 12, "minute": 17}
